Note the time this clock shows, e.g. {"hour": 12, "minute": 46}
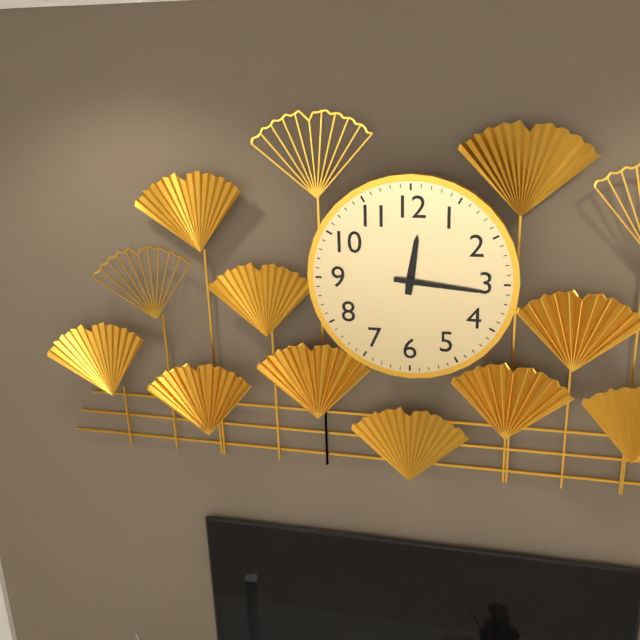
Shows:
{"hour": 12, "minute": 16}
